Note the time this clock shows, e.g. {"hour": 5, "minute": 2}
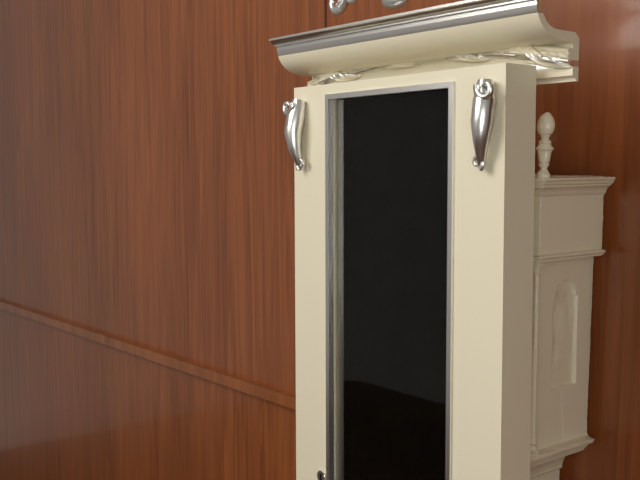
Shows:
{"hour": 2, "minute": 31}
